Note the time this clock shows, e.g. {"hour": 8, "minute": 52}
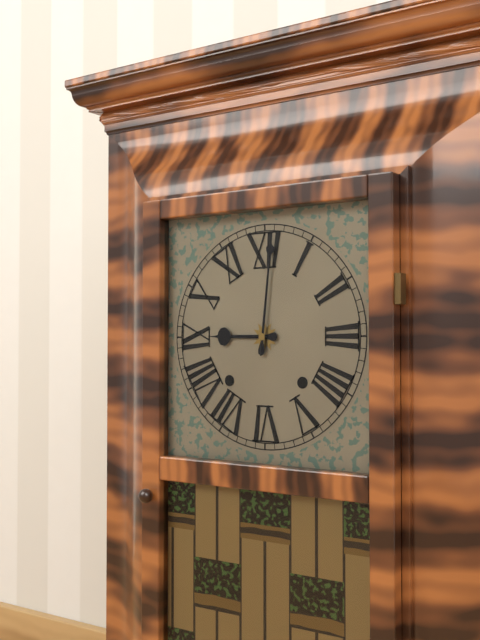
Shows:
{"hour": 9, "minute": 1}
